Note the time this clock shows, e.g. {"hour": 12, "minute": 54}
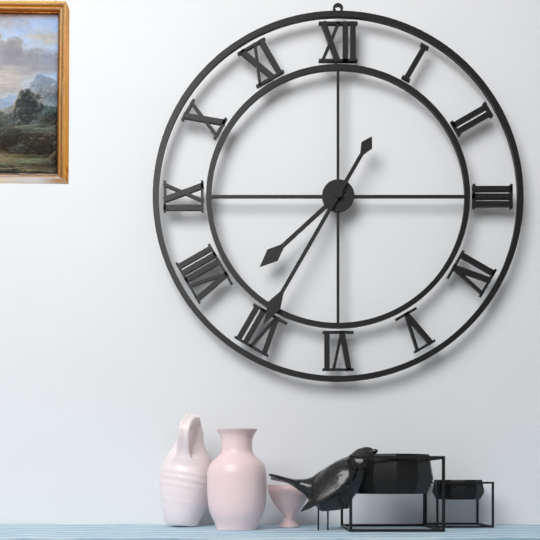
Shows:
{"hour": 7, "minute": 35}
